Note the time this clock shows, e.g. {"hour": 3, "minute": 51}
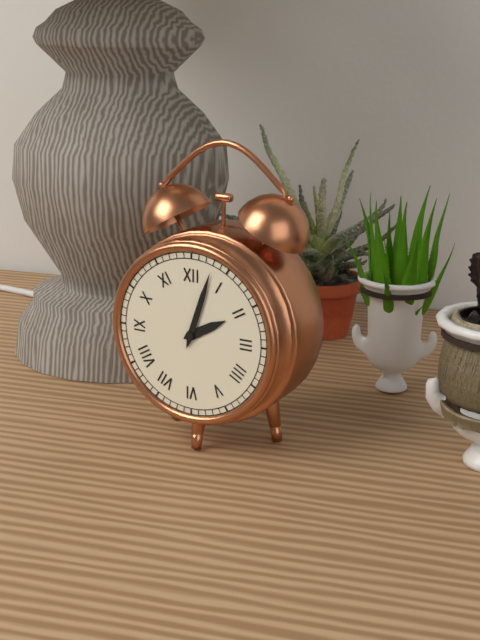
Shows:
{"hour": 2, "minute": 3}
